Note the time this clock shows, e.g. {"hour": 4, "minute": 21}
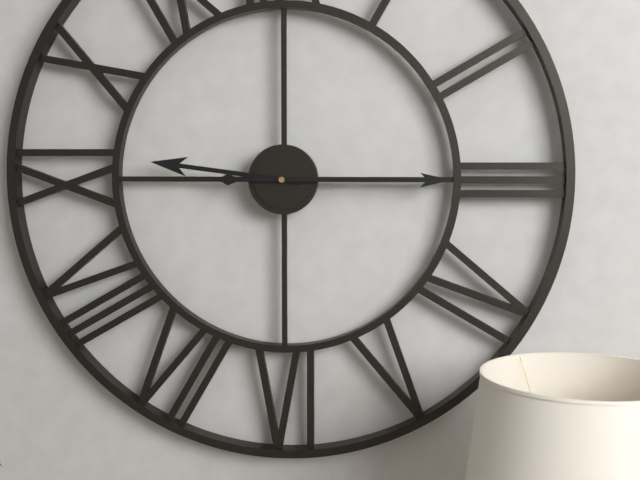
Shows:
{"hour": 9, "minute": 15}
